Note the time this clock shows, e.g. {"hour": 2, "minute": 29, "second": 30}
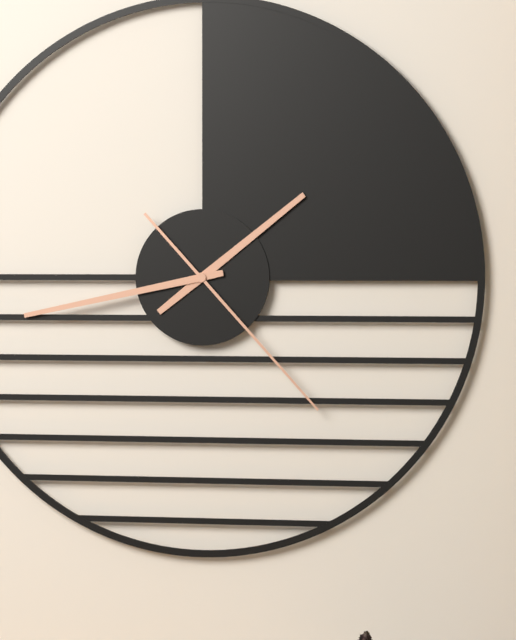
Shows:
{"hour": 1, "minute": 43, "second": 23}
